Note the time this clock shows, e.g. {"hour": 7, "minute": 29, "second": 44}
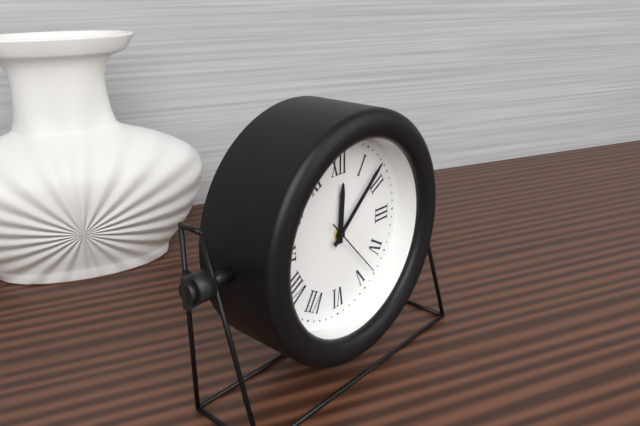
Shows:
{"hour": 12, "minute": 8, "second": 23}
